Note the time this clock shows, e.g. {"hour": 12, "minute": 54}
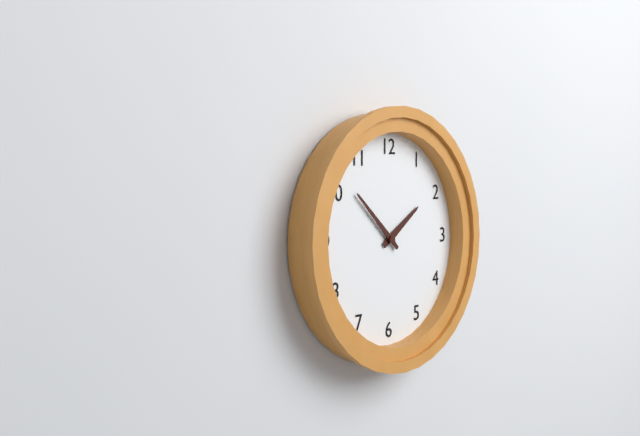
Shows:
{"hour": 1, "minute": 52}
